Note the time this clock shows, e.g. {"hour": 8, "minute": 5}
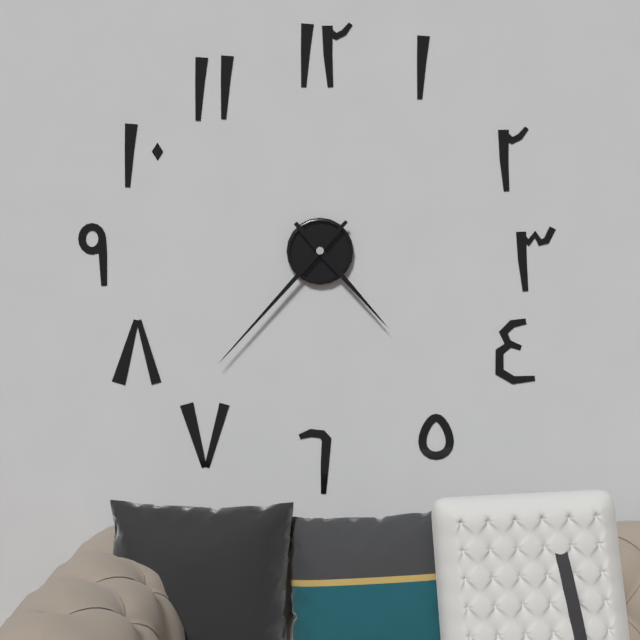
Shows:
{"hour": 4, "minute": 37}
